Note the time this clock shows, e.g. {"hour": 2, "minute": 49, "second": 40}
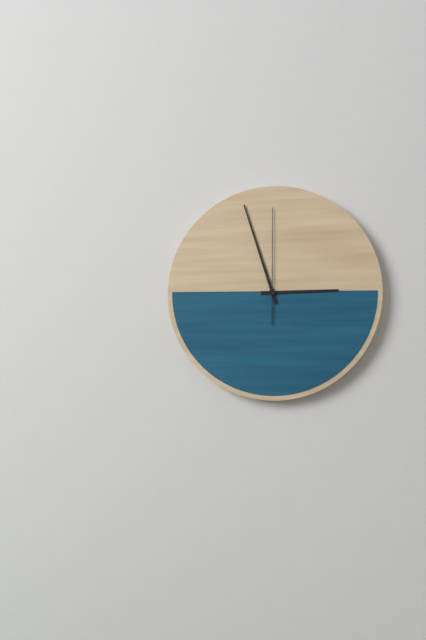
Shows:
{"hour": 2, "minute": 57, "second": 0}
